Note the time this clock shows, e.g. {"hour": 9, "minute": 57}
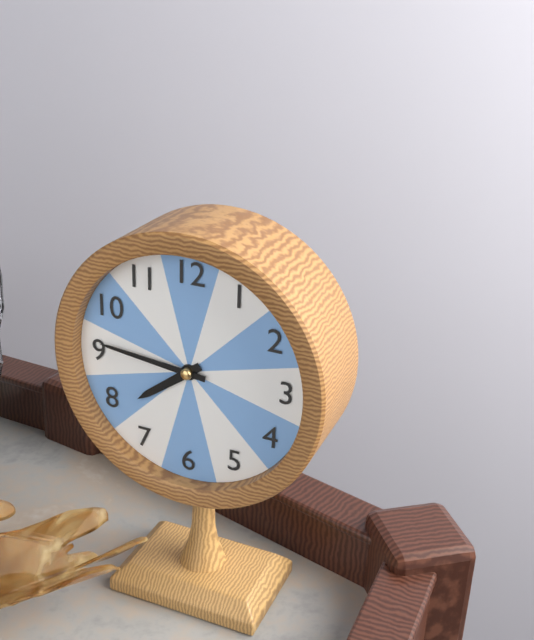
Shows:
{"hour": 7, "minute": 46}
